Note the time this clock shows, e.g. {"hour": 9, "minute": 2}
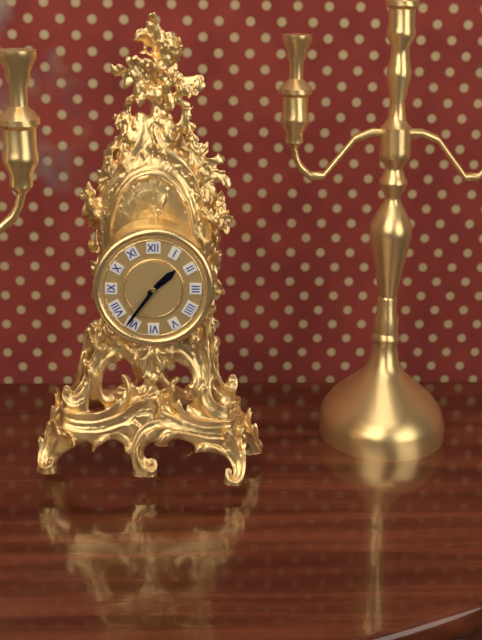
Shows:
{"hour": 1, "minute": 36}
